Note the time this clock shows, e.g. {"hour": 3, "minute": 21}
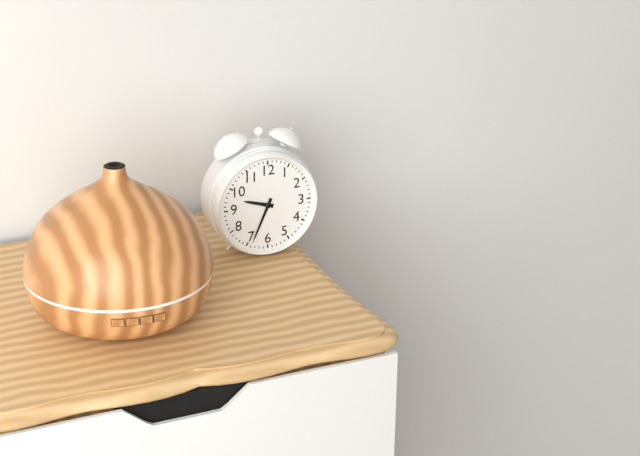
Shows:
{"hour": 9, "minute": 34}
